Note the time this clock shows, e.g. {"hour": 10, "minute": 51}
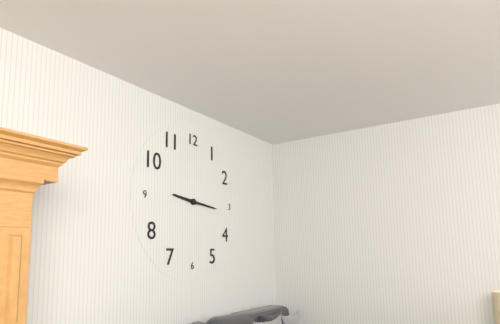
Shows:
{"hour": 9, "minute": 16}
